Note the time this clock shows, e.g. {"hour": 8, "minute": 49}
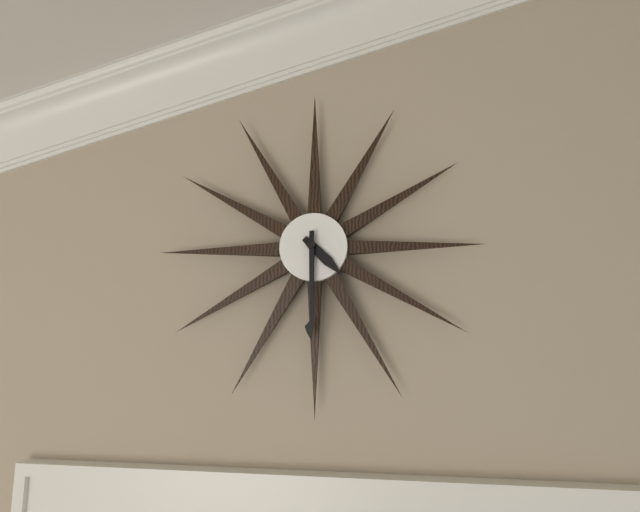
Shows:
{"hour": 4, "minute": 30}
